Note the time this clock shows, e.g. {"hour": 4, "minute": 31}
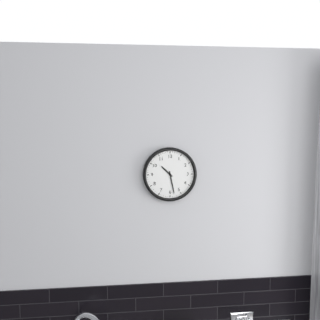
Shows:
{"hour": 10, "minute": 28}
